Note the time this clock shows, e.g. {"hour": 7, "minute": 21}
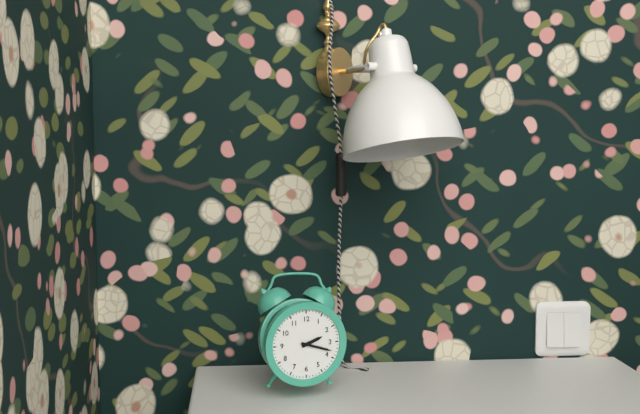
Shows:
{"hour": 2, "minute": 18}
